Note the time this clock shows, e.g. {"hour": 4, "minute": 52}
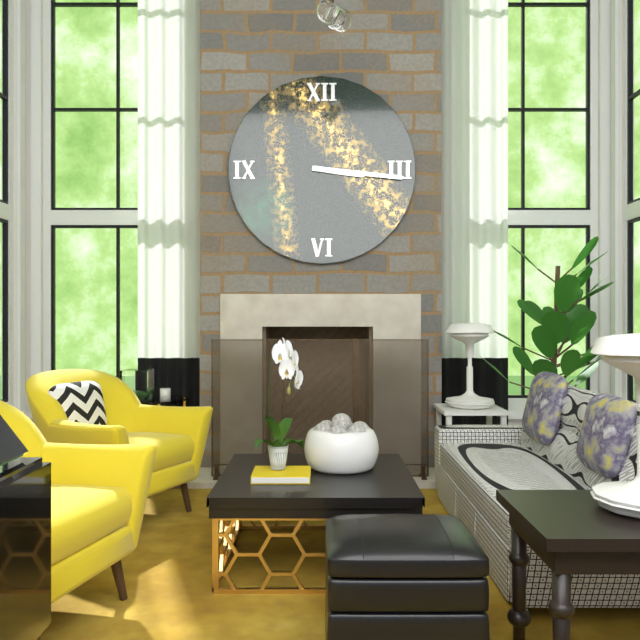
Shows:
{"hour": 3, "minute": 16}
